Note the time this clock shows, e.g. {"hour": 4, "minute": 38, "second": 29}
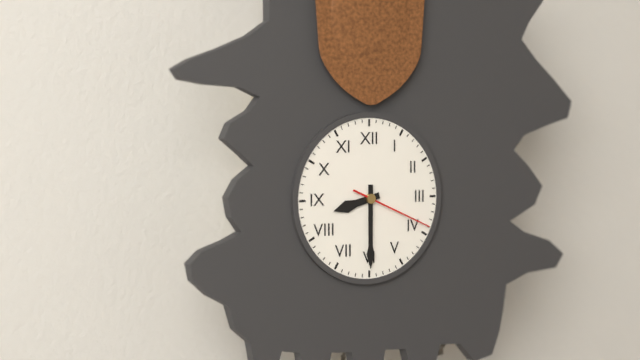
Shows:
{"hour": 8, "minute": 30, "second": 19}
